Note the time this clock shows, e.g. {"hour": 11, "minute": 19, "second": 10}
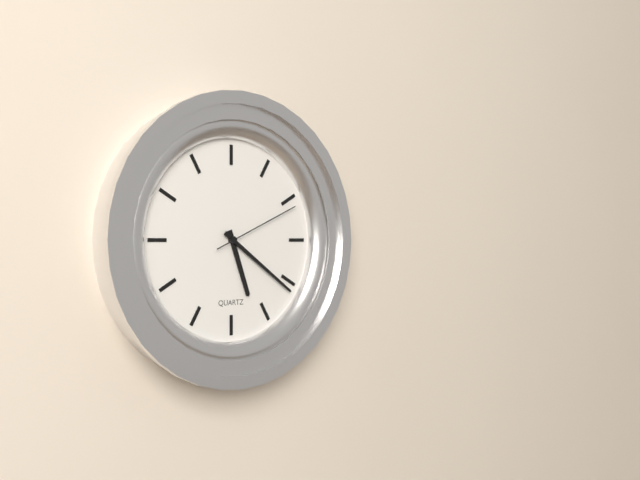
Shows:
{"hour": 5, "minute": 21, "second": 11}
